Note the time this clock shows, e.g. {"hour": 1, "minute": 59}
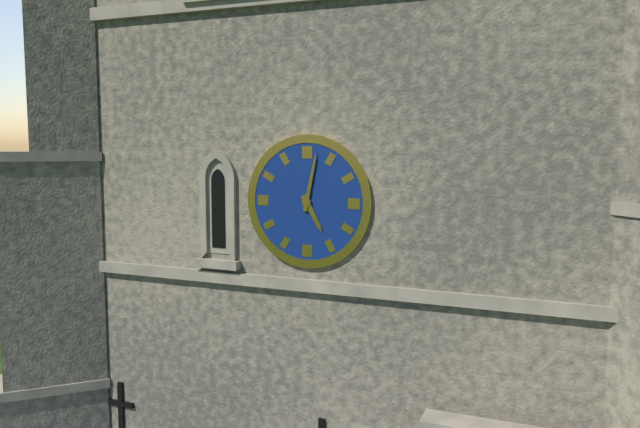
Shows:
{"hour": 5, "minute": 2}
